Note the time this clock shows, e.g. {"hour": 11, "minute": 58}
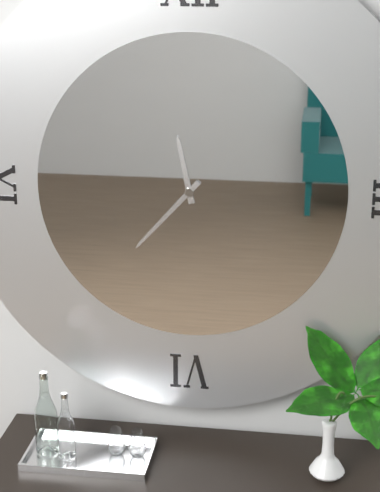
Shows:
{"hour": 11, "minute": 37}
